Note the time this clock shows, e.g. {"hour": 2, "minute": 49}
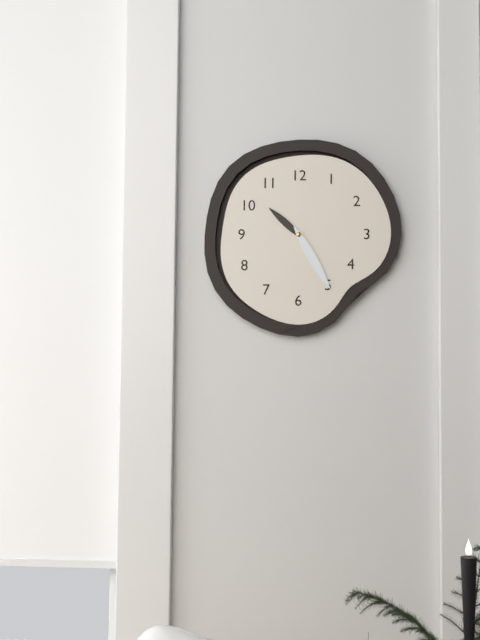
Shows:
{"hour": 10, "minute": 25}
